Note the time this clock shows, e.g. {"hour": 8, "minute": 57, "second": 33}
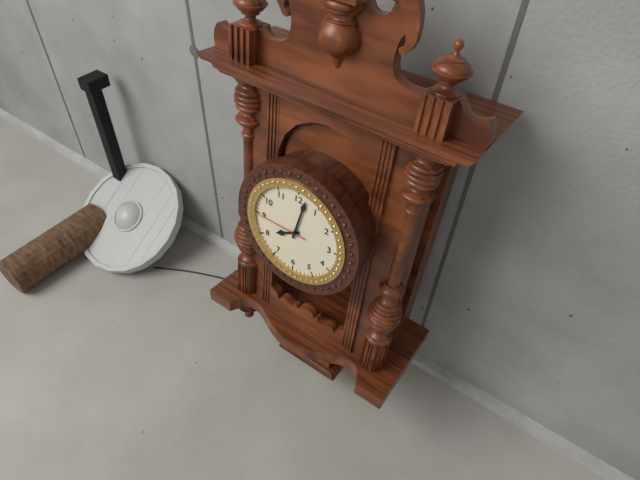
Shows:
{"hour": 8, "minute": 2, "second": 45}
